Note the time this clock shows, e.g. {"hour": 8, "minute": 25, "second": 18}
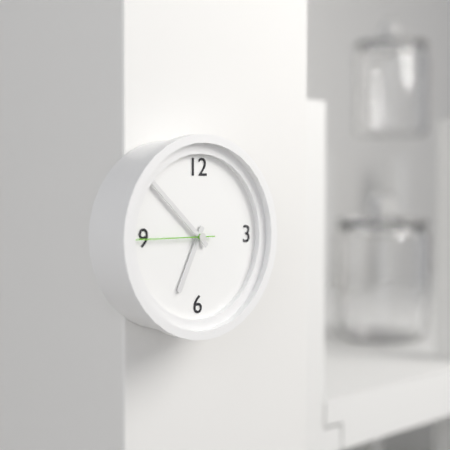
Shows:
{"hour": 6, "minute": 52, "second": 45}
